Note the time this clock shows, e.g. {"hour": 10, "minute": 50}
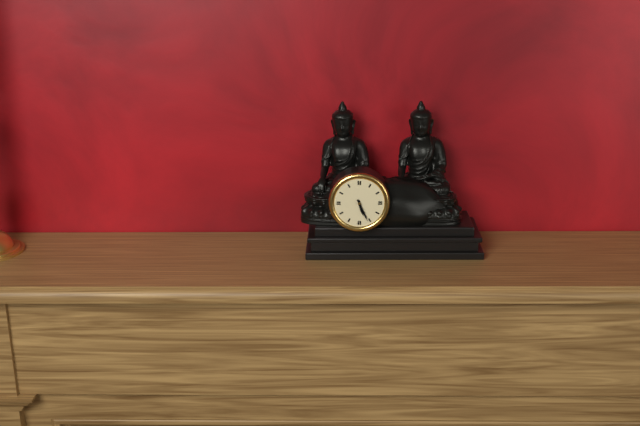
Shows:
{"hour": 5, "minute": 26}
